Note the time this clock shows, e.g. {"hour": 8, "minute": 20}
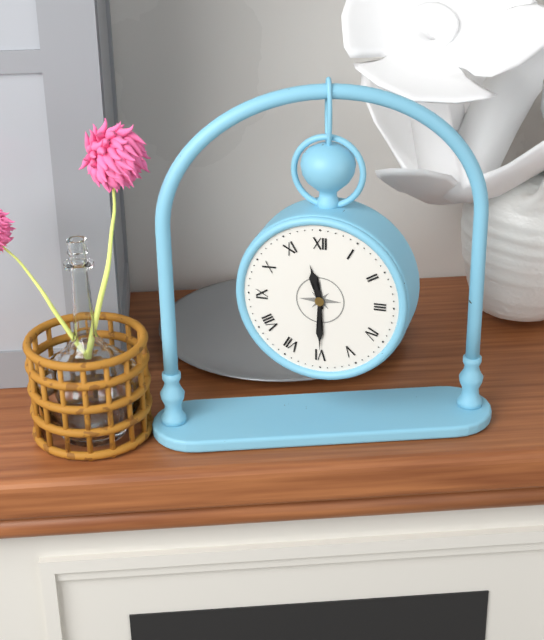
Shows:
{"hour": 11, "minute": 30}
